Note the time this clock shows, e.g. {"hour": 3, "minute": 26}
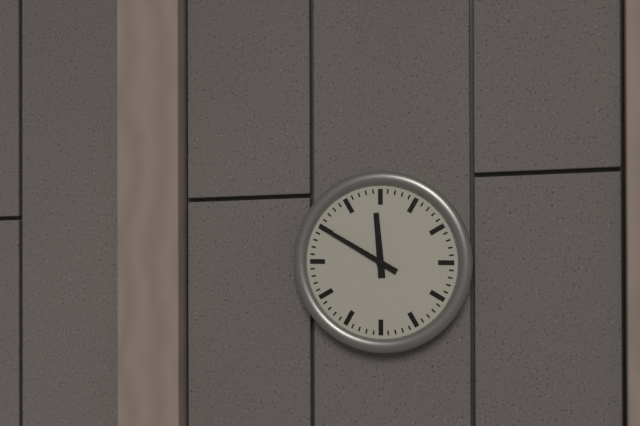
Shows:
{"hour": 11, "minute": 50}
